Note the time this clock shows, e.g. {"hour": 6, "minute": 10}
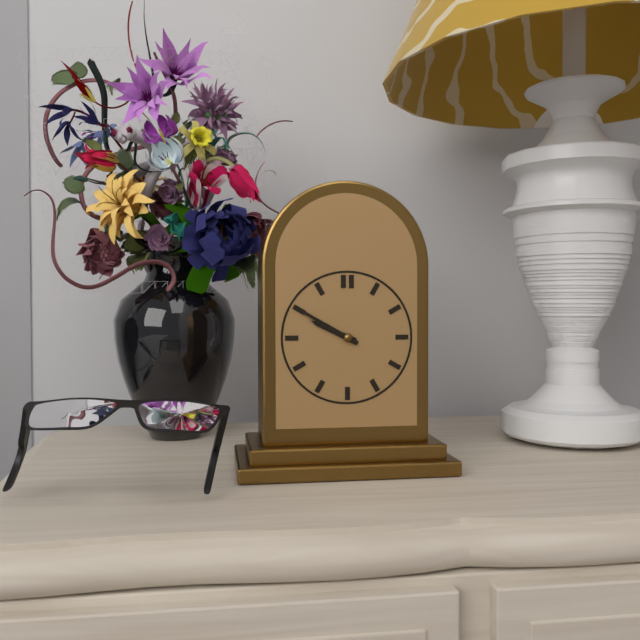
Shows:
{"hour": 9, "minute": 50}
